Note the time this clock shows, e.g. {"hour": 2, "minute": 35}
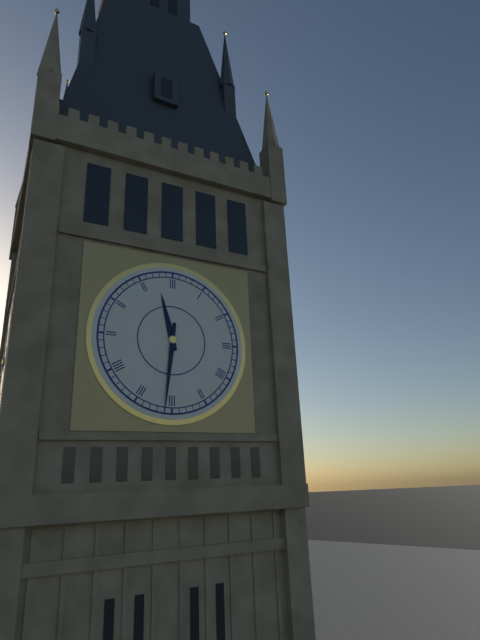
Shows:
{"hour": 11, "minute": 31}
